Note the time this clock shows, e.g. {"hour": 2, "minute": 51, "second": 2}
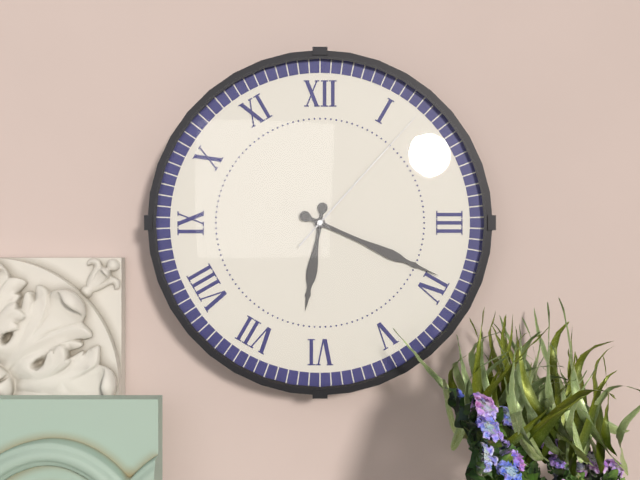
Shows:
{"hour": 6, "minute": 19, "second": 7}
